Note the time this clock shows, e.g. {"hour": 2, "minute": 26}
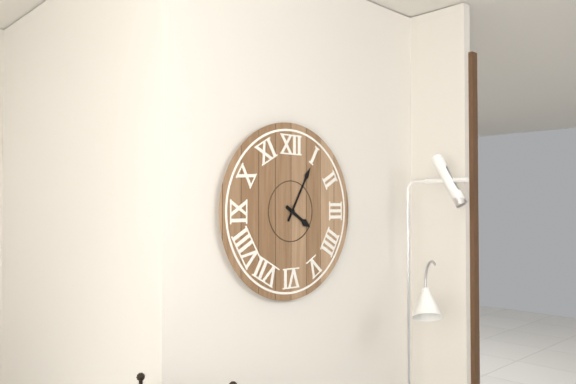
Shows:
{"hour": 4, "minute": 5}
